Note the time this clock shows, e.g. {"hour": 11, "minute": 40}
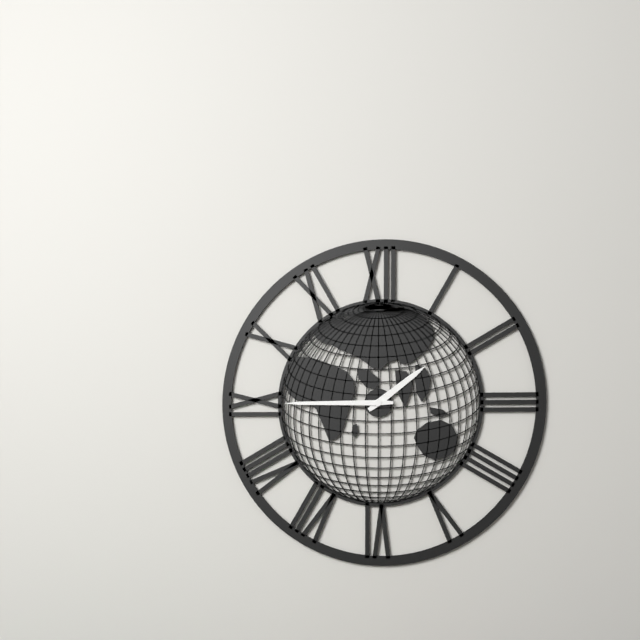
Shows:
{"hour": 1, "minute": 45}
